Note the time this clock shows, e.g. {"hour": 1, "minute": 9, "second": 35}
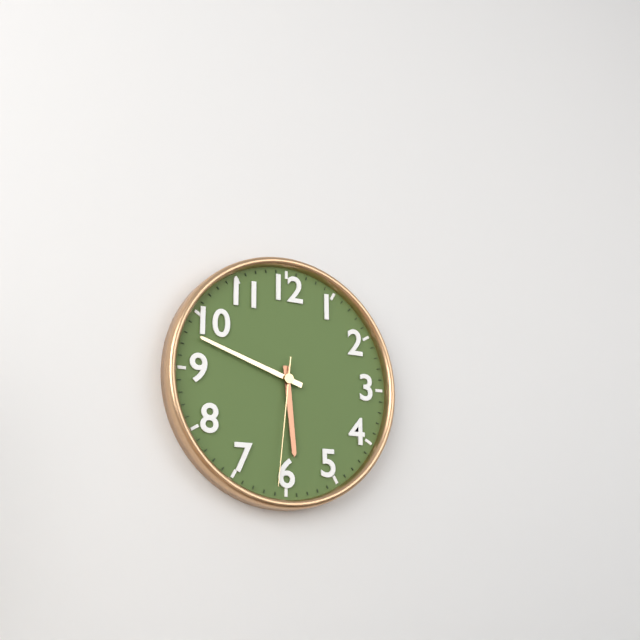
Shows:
{"hour": 5, "minute": 48, "second": 31}
